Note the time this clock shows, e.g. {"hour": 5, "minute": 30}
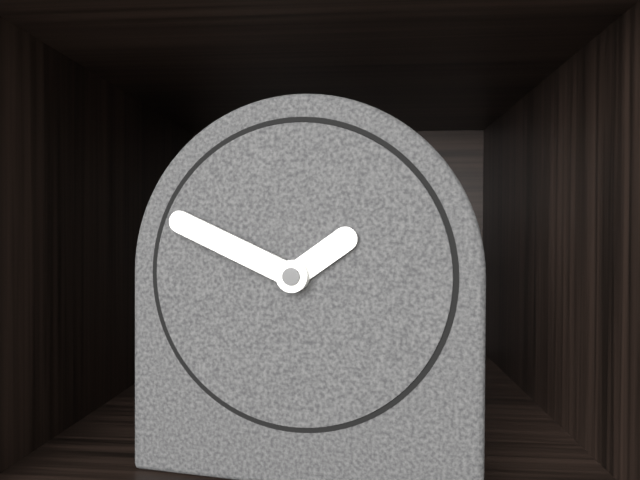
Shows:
{"hour": 1, "minute": 49}
